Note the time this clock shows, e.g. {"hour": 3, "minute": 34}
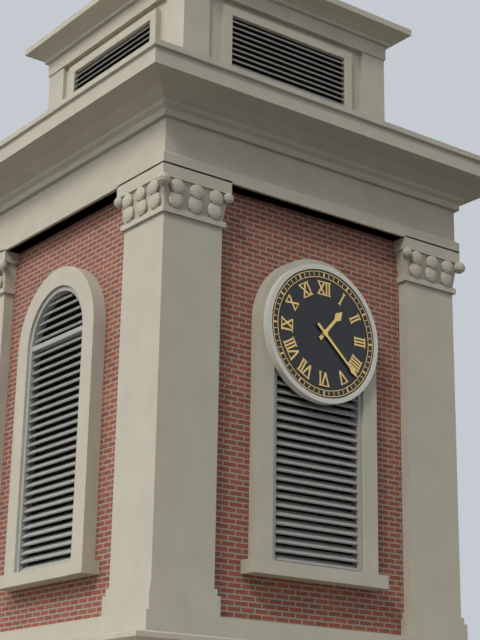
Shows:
{"hour": 1, "minute": 22}
